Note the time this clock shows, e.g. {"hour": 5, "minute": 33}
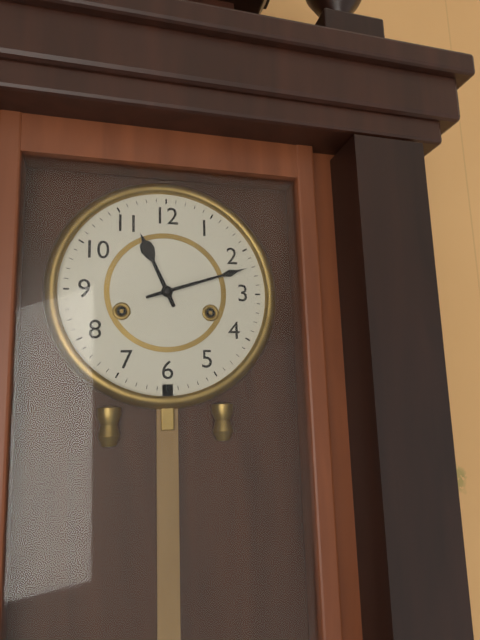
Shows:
{"hour": 11, "minute": 12}
